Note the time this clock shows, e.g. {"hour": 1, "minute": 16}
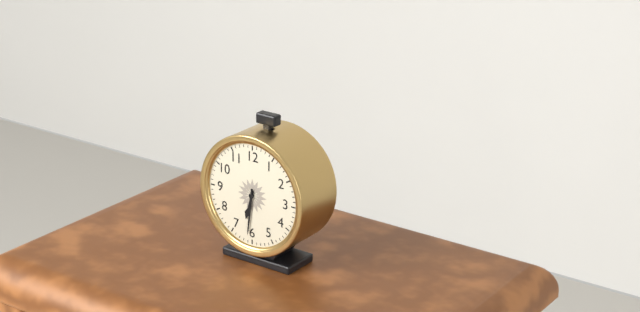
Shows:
{"hour": 6, "minute": 31}
